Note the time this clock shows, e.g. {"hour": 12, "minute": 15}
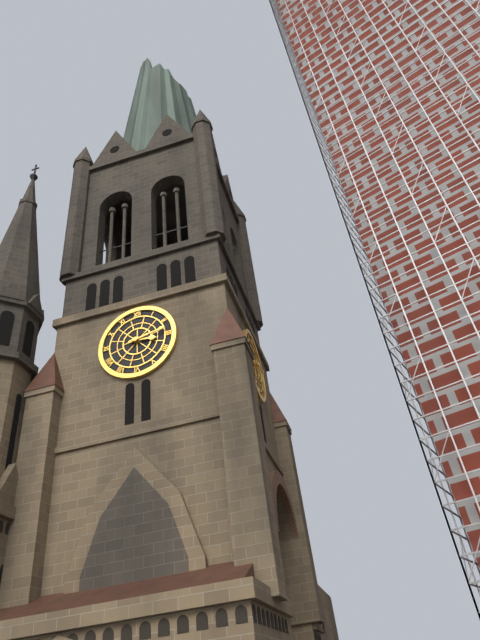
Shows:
{"hour": 3, "minute": 13}
